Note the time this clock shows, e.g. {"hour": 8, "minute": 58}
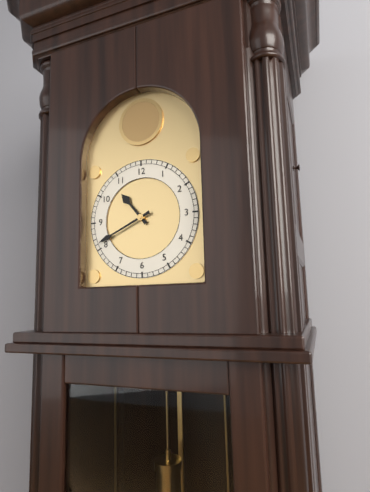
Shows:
{"hour": 10, "minute": 41}
